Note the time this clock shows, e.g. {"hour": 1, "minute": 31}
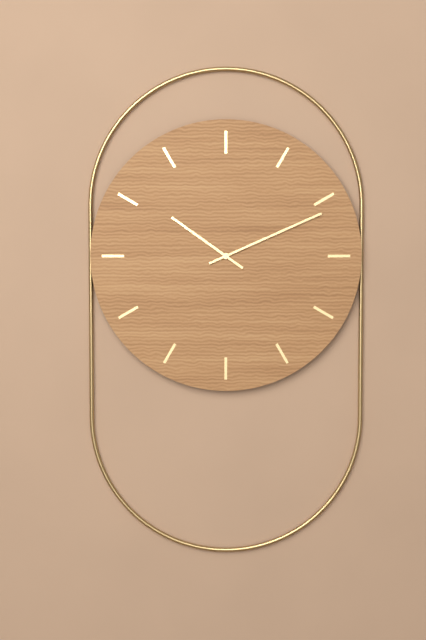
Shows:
{"hour": 10, "minute": 11}
